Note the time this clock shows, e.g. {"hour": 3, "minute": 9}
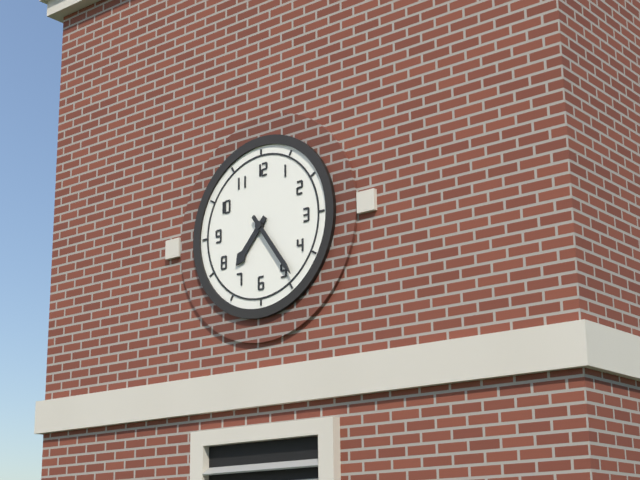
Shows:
{"hour": 7, "minute": 24}
